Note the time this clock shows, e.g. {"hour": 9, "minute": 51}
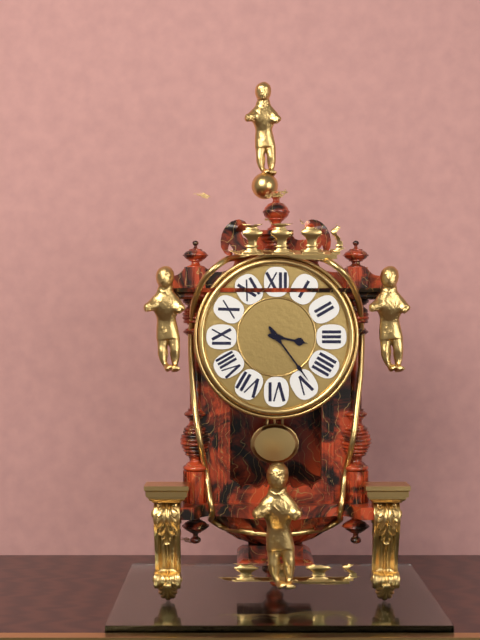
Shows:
{"hour": 3, "minute": 24}
